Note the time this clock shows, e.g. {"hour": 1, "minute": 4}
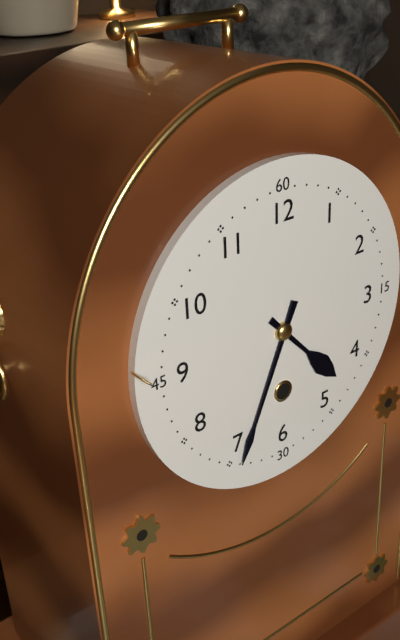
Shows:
{"hour": 4, "minute": 34}
